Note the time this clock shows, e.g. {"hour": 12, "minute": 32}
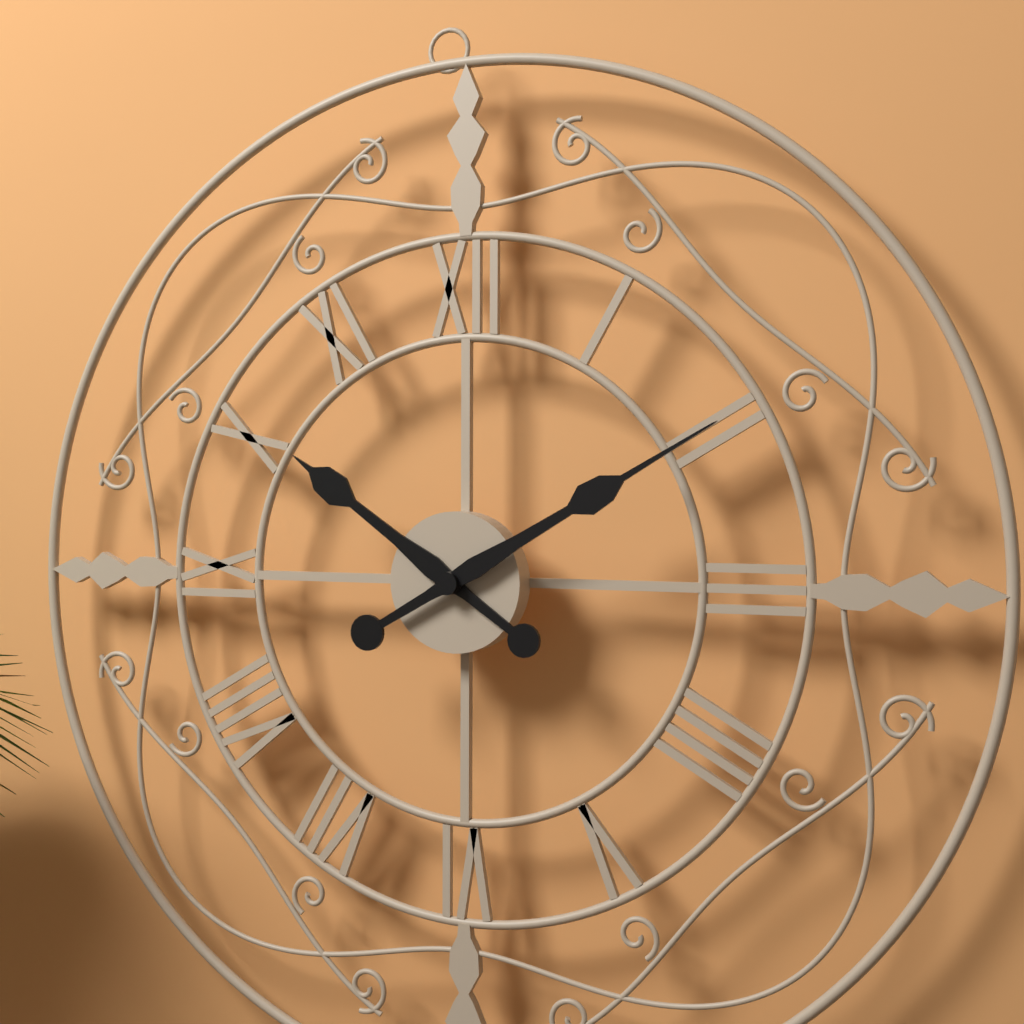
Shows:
{"hour": 10, "minute": 10}
